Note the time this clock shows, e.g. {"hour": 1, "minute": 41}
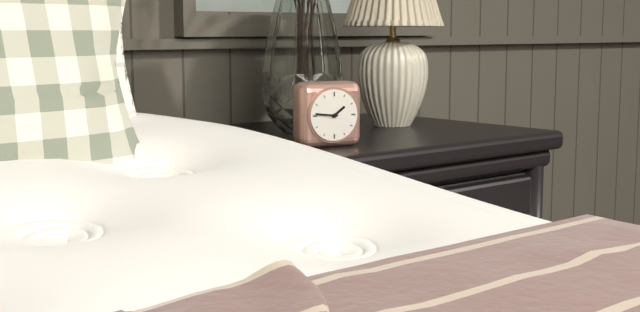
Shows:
{"hour": 1, "minute": 46}
